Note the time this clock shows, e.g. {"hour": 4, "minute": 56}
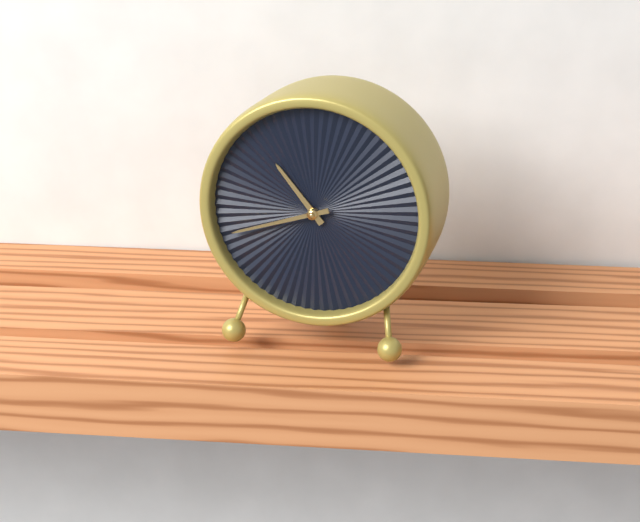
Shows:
{"hour": 10, "minute": 42}
